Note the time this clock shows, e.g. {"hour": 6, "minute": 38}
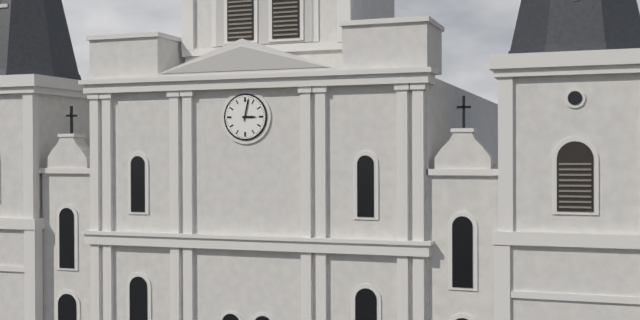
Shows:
{"hour": 3, "minute": 2}
